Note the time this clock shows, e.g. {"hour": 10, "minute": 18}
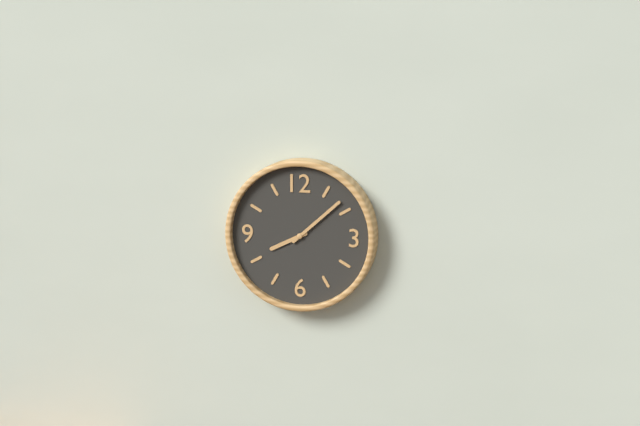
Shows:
{"hour": 8, "minute": 8}
